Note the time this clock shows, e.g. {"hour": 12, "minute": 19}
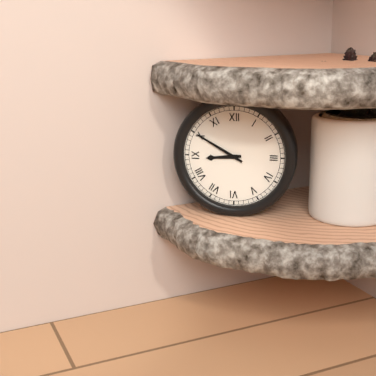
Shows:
{"hour": 8, "minute": 50}
